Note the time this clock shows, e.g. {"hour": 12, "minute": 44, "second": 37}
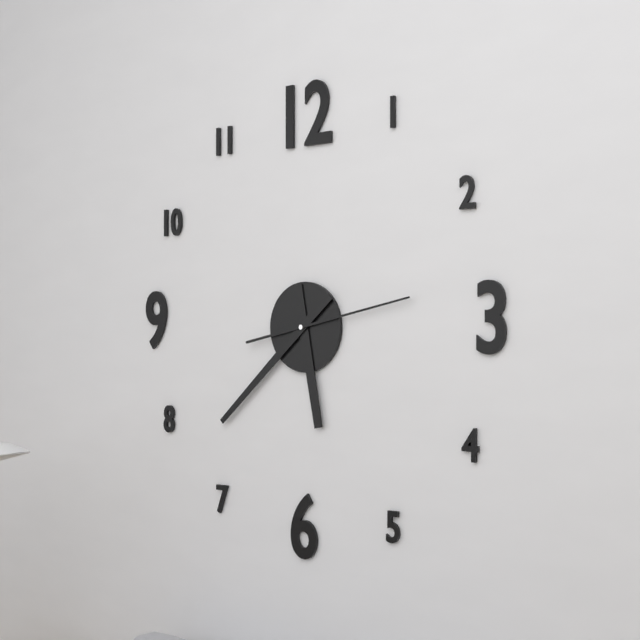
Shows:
{"hour": 5, "minute": 38, "second": 13}
